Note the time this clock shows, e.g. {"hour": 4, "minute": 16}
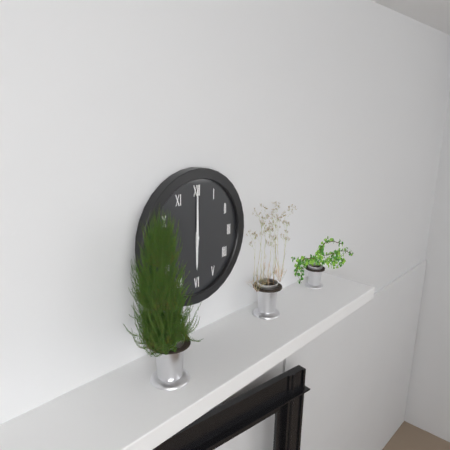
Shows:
{"hour": 6, "minute": 0}
